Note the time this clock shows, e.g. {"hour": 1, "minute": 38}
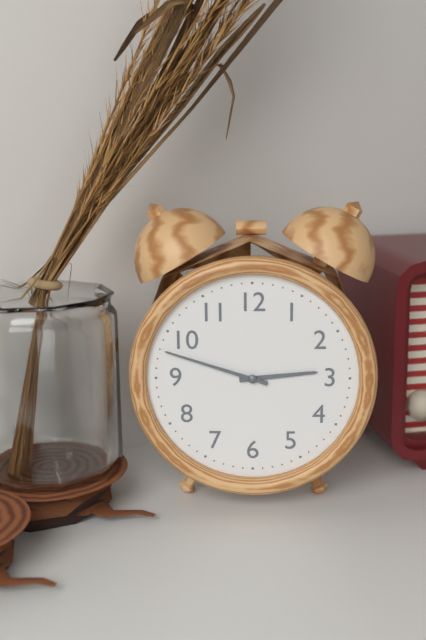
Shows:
{"hour": 2, "minute": 48}
